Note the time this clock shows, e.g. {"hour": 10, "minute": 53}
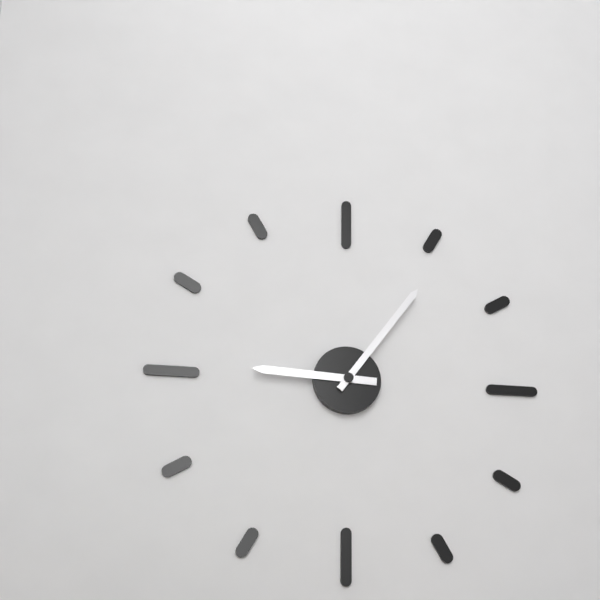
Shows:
{"hour": 9, "minute": 6}
